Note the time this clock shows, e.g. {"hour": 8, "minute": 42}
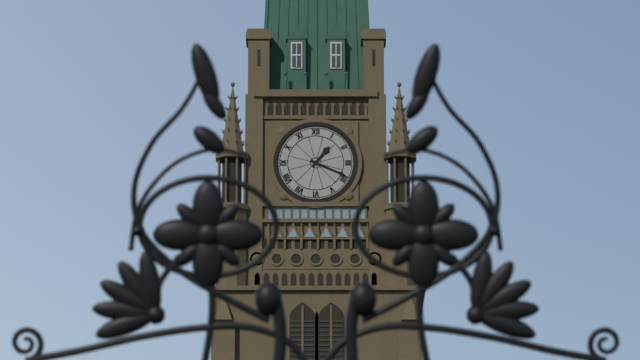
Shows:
{"hour": 1, "minute": 19}
